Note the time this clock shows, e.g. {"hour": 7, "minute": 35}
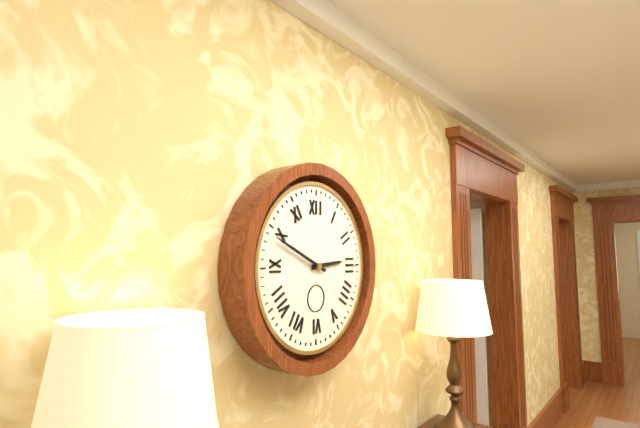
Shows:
{"hour": 2, "minute": 49}
